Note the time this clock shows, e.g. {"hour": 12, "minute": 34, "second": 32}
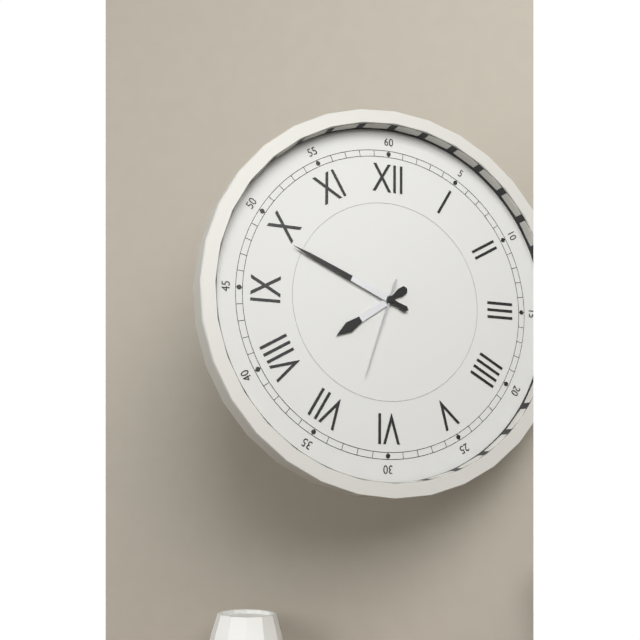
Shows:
{"hour": 7, "minute": 49, "second": 33}
